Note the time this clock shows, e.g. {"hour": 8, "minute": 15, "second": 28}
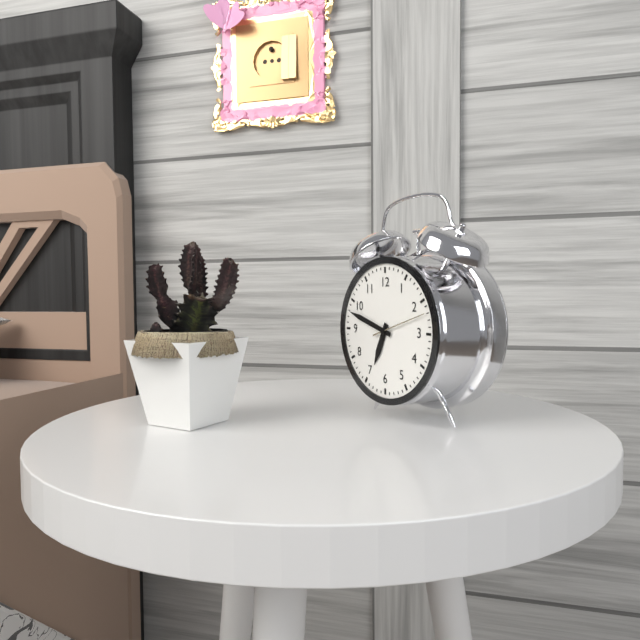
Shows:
{"hour": 6, "minute": 48, "second": 12}
